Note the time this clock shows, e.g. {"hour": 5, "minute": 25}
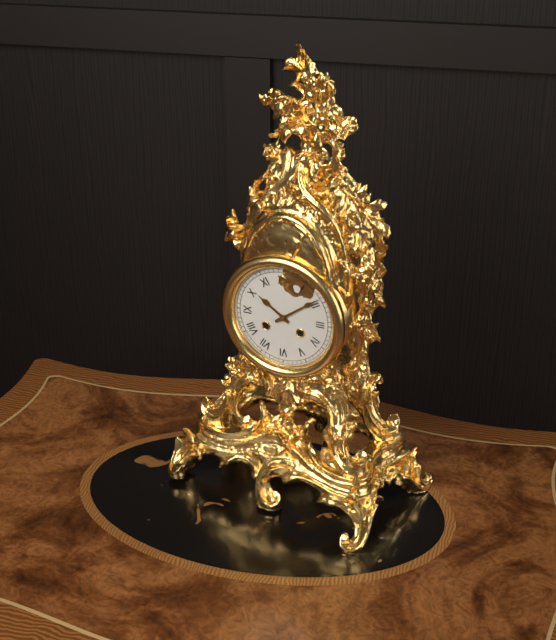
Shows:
{"hour": 10, "minute": 9}
